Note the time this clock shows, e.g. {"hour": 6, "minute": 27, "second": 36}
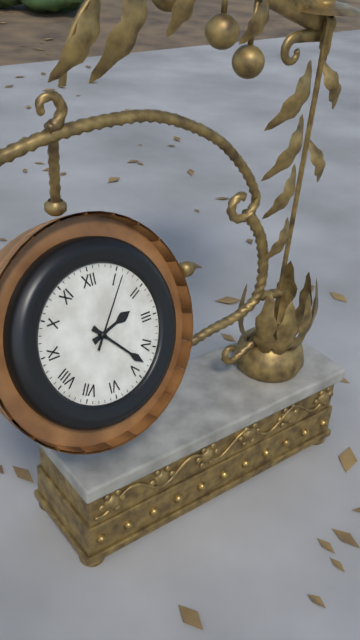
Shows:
{"hour": 2, "minute": 23, "second": 6}
